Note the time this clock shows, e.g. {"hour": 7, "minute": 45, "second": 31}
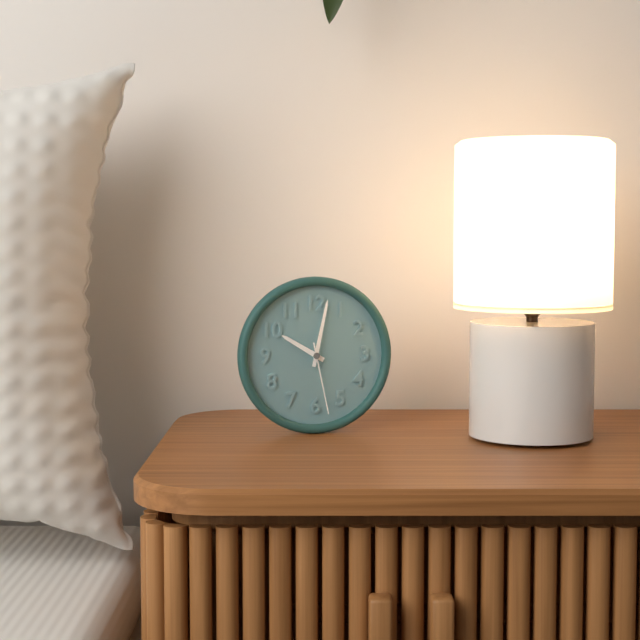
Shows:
{"hour": 10, "minute": 2, "second": 28}
